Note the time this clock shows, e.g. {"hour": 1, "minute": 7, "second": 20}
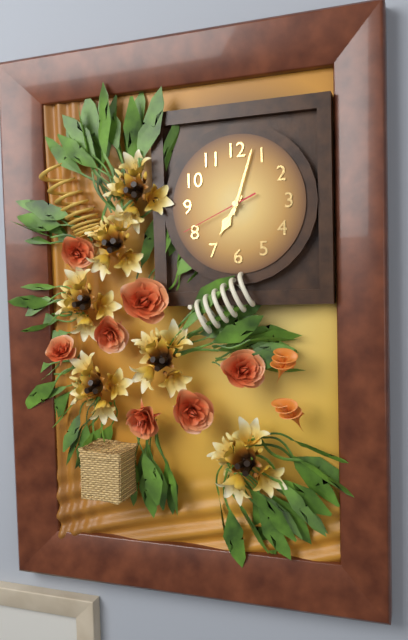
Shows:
{"hour": 7, "minute": 3, "second": 41}
